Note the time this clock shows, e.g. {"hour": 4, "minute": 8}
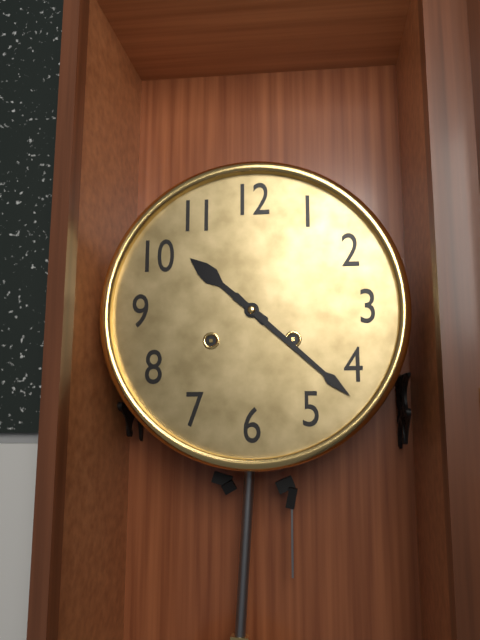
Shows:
{"hour": 10, "minute": 22}
